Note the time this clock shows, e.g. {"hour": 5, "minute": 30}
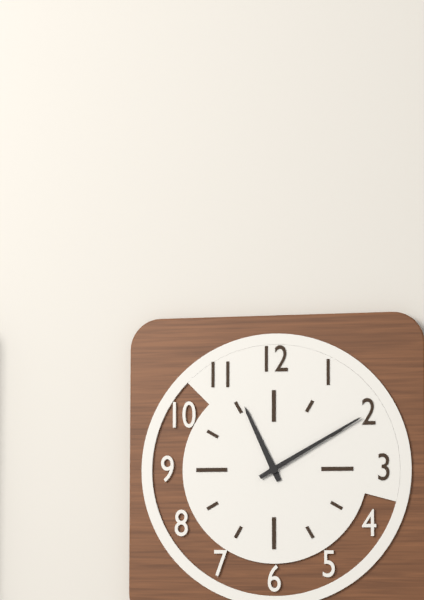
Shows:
{"hour": 11, "minute": 10}
